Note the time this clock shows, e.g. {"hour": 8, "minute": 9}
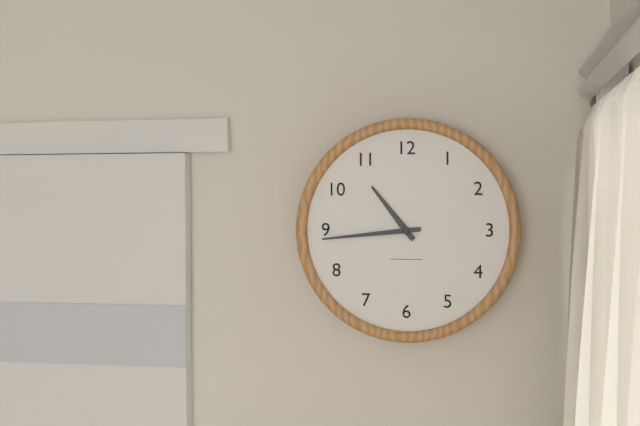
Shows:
{"hour": 10, "minute": 44}
